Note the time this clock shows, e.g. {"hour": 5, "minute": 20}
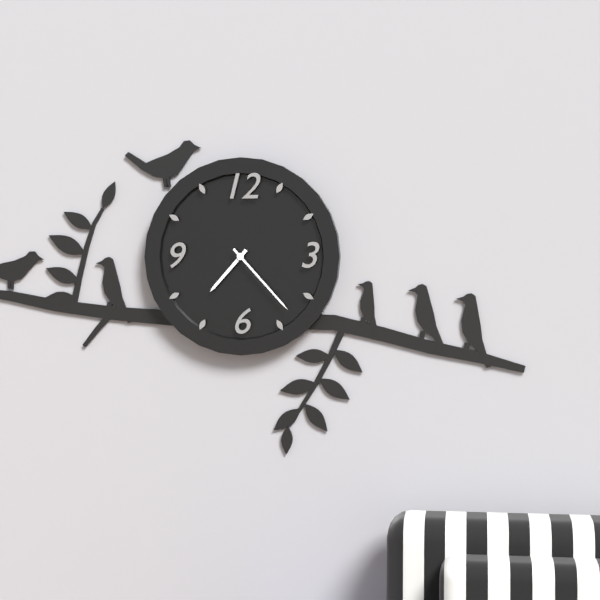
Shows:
{"hour": 7, "minute": 23}
